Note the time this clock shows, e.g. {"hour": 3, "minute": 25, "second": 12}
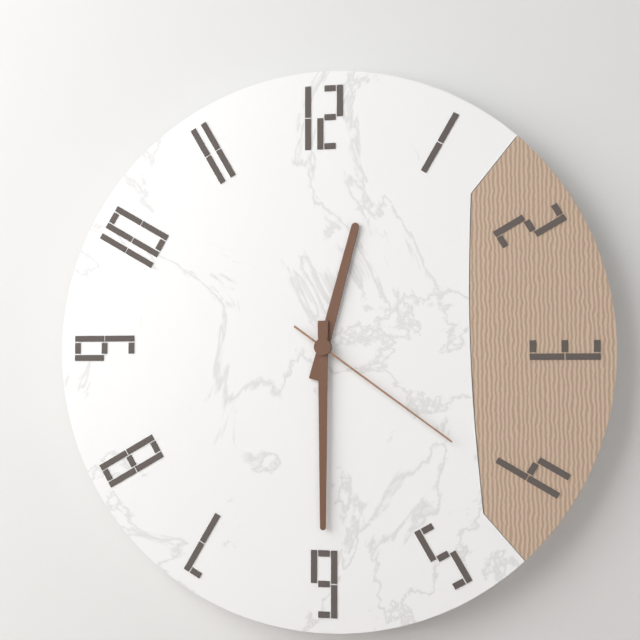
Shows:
{"hour": 12, "minute": 30, "second": 21}
